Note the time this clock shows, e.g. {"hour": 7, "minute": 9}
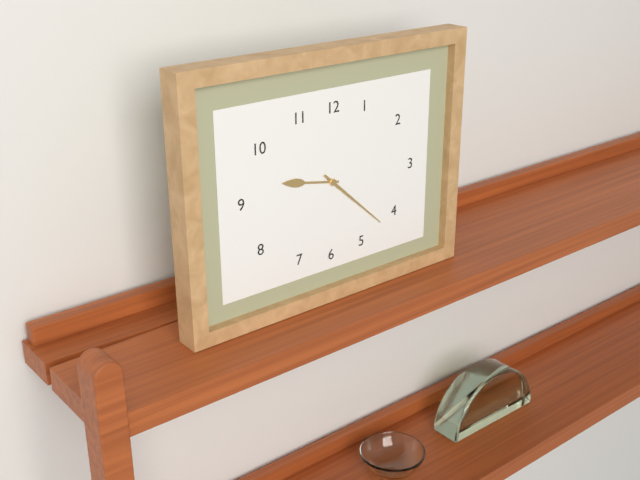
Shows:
{"hour": 9, "minute": 22}
